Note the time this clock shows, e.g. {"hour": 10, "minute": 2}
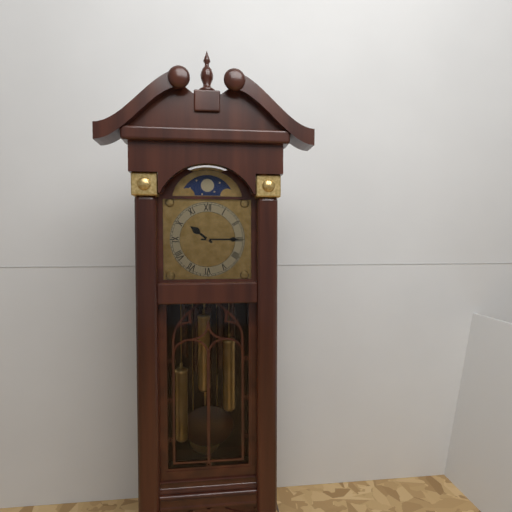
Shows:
{"hour": 10, "minute": 15}
